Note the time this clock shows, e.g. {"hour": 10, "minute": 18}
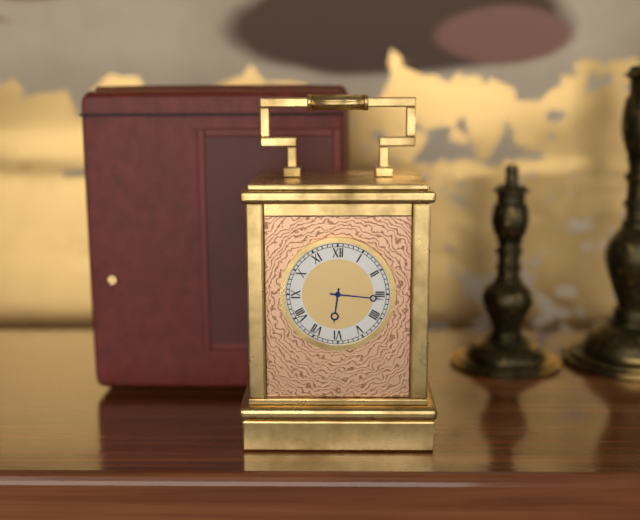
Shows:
{"hour": 6, "minute": 16}
